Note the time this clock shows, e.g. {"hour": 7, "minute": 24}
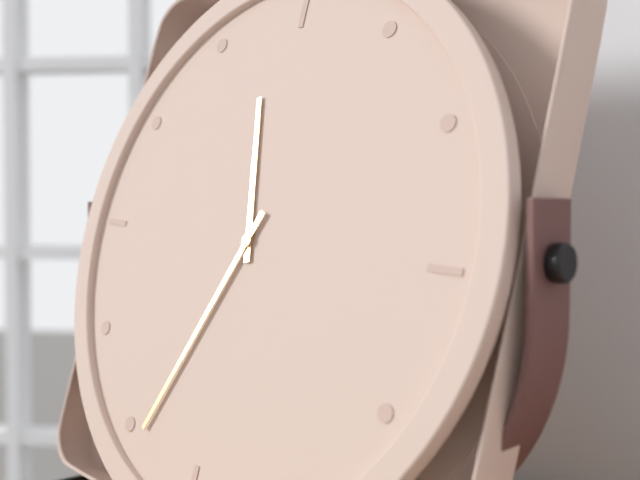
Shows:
{"hour": 11, "minute": 34}
